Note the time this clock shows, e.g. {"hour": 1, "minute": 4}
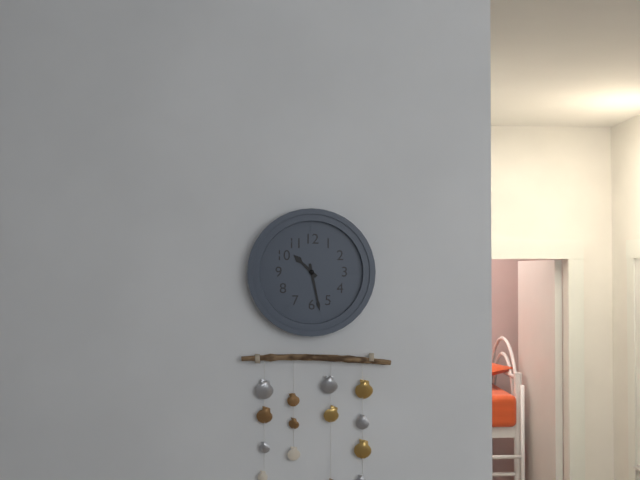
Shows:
{"hour": 10, "minute": 28}
